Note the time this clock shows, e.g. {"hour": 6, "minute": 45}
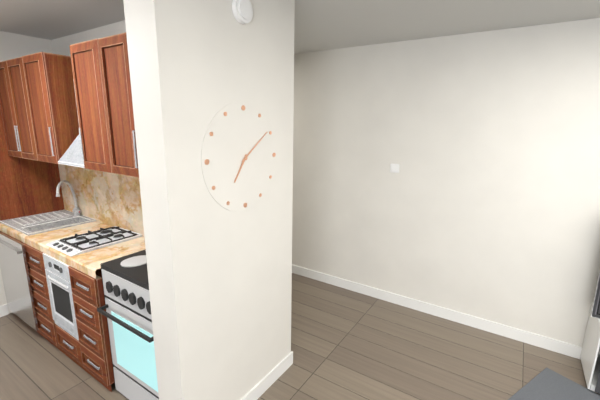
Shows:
{"hour": 7, "minute": 9}
